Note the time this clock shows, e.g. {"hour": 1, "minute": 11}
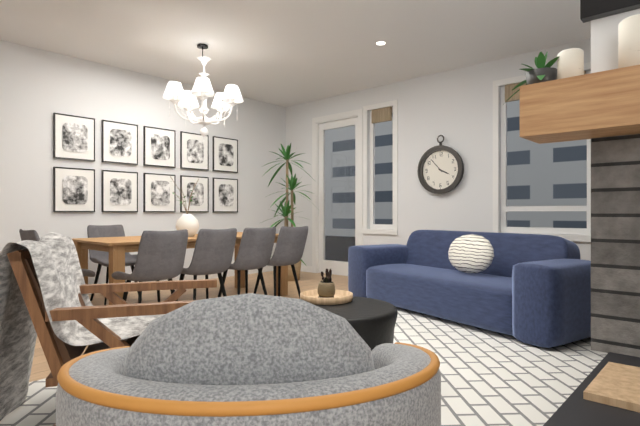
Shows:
{"hour": 3, "minute": 53}
